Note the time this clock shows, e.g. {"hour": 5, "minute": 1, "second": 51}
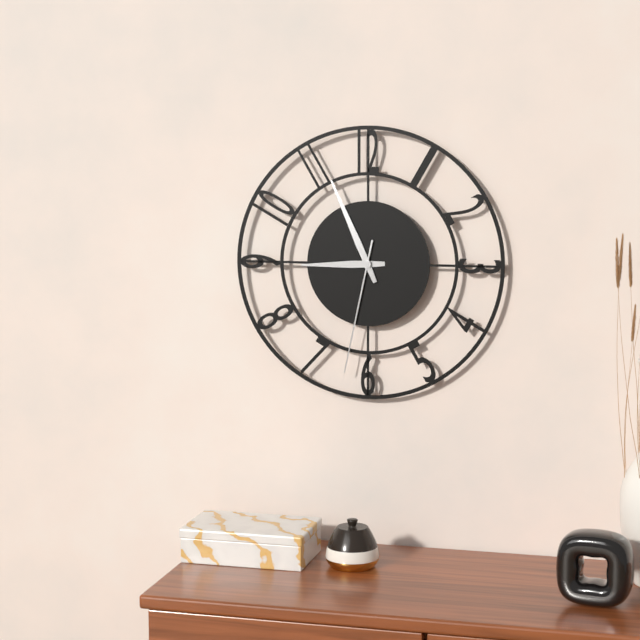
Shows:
{"hour": 8, "minute": 56, "second": 32}
